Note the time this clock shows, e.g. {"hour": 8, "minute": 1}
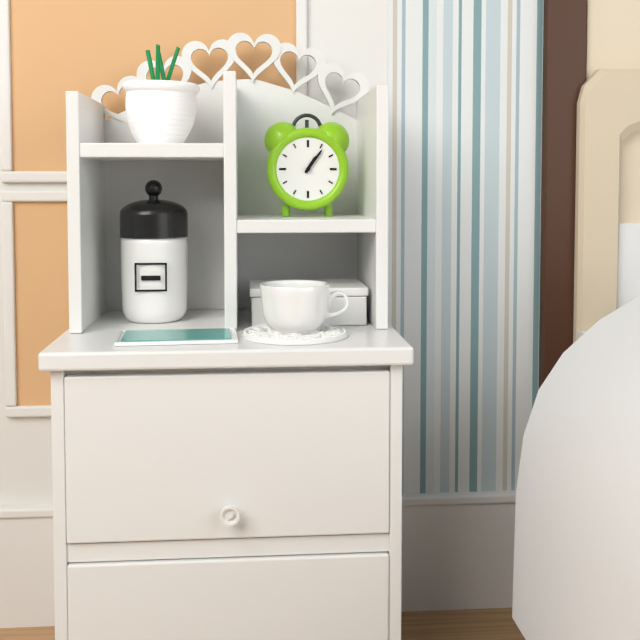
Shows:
{"hour": 1, "minute": 6}
